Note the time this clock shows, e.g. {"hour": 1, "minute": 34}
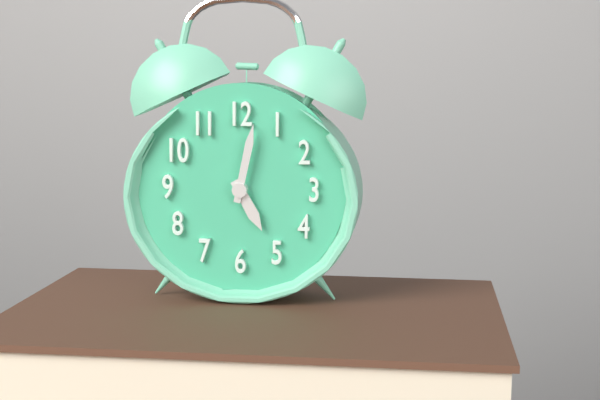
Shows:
{"hour": 5, "minute": 2}
